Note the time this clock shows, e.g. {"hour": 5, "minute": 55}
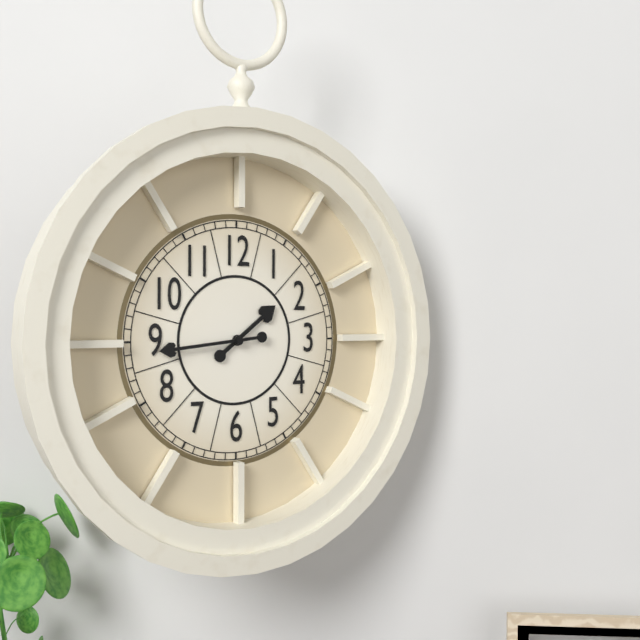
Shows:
{"hour": 1, "minute": 44}
